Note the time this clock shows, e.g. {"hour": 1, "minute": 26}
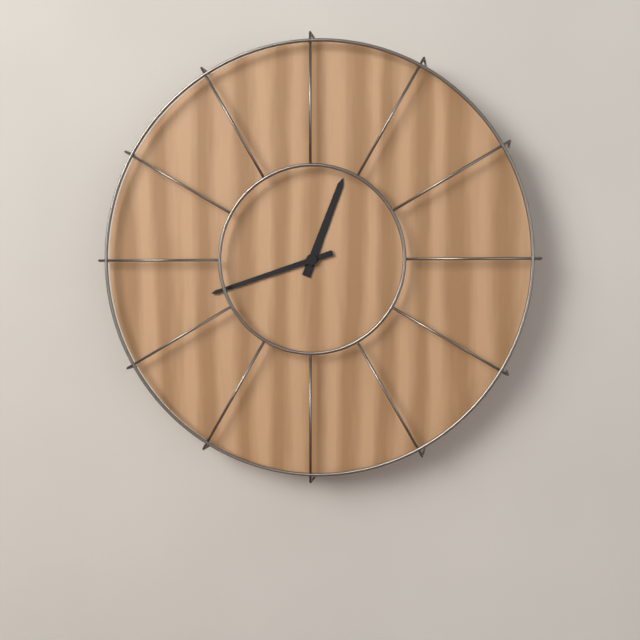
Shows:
{"hour": 12, "minute": 42}
